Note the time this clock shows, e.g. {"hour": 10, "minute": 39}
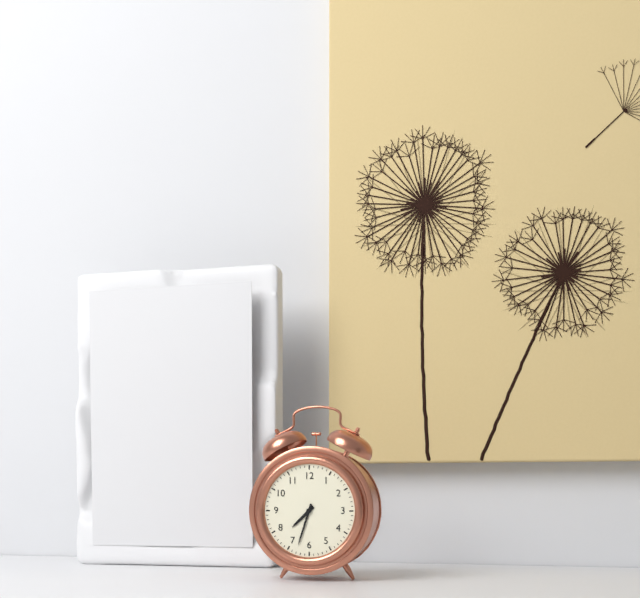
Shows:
{"hour": 7, "minute": 33}
